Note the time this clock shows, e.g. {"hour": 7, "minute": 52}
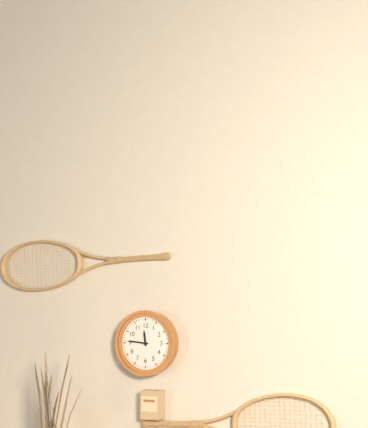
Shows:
{"hour": 11, "minute": 46}
